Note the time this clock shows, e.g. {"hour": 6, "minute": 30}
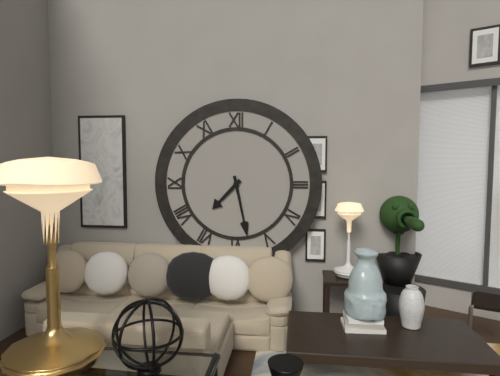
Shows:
{"hour": 7, "minute": 28}
